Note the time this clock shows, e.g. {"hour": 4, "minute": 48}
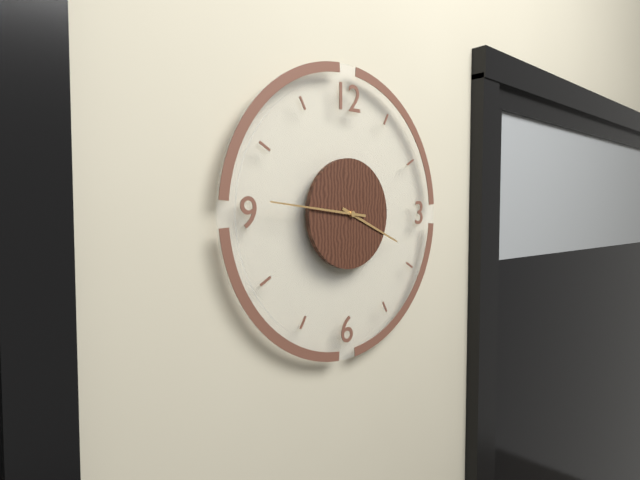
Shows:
{"hour": 3, "minute": 46}
